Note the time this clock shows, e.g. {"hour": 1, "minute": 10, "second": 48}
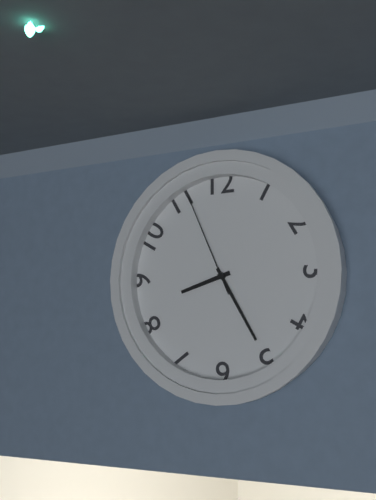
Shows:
{"hour": 8, "minute": 25, "second": 56}
